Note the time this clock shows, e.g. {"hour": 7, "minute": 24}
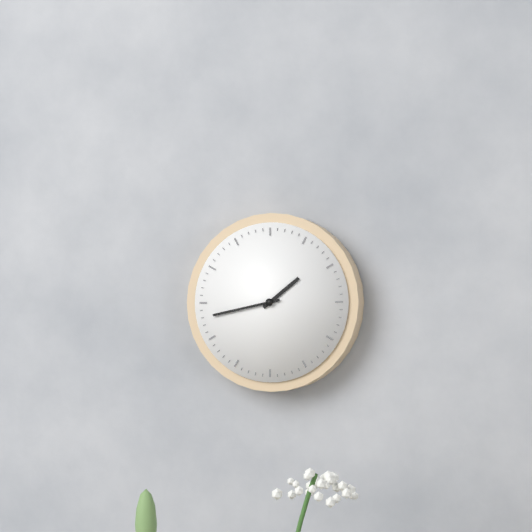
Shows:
{"hour": 1, "minute": 43}
